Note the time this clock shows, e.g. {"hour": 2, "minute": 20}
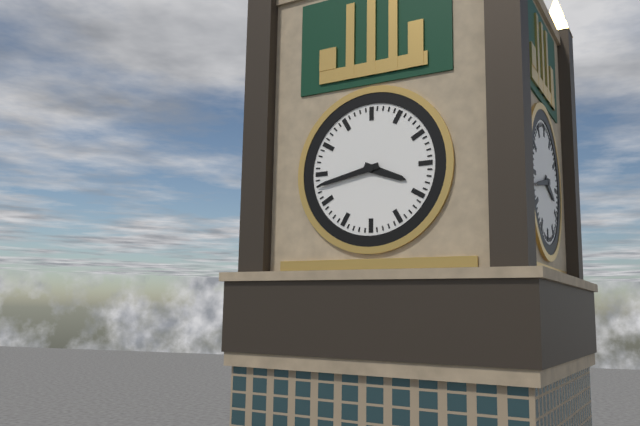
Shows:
{"hour": 3, "minute": 43}
